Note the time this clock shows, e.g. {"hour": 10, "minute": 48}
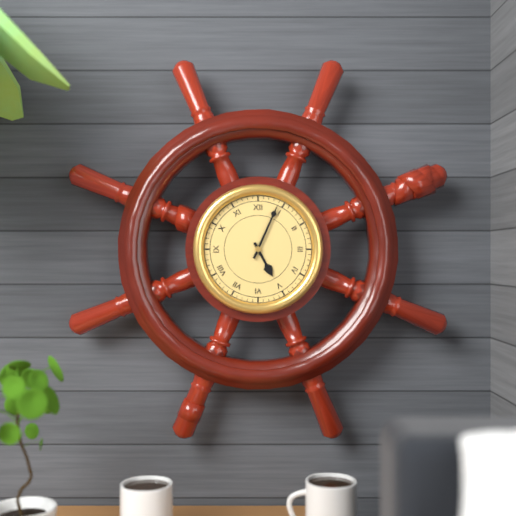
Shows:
{"hour": 5, "minute": 4}
